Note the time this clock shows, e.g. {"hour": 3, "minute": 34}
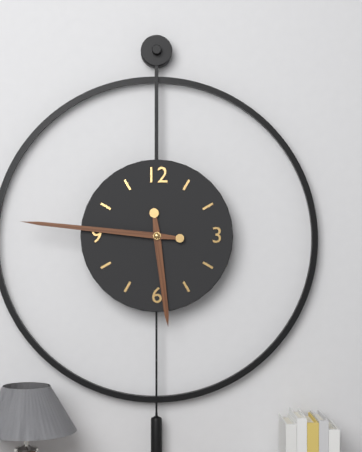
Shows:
{"hour": 5, "minute": 46}
